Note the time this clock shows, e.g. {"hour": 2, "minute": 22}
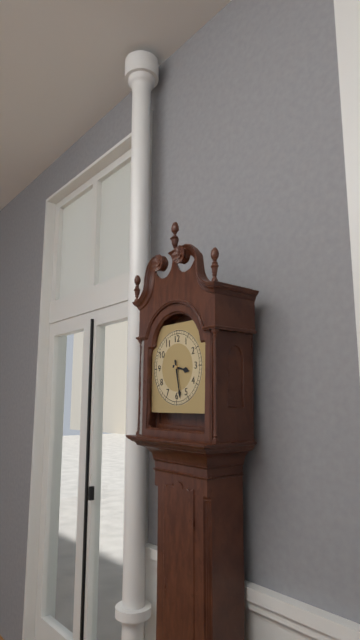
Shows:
{"hour": 3, "minute": 28}
